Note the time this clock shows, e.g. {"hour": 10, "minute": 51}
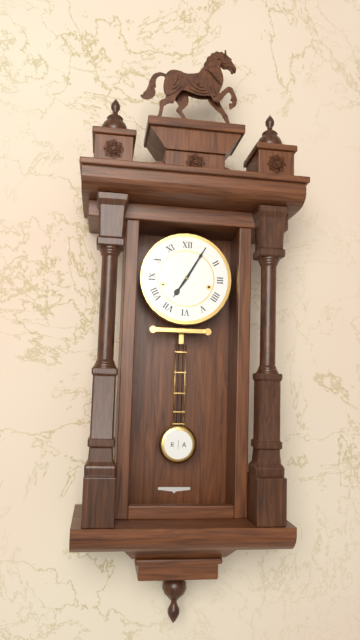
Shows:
{"hour": 7, "minute": 5}
